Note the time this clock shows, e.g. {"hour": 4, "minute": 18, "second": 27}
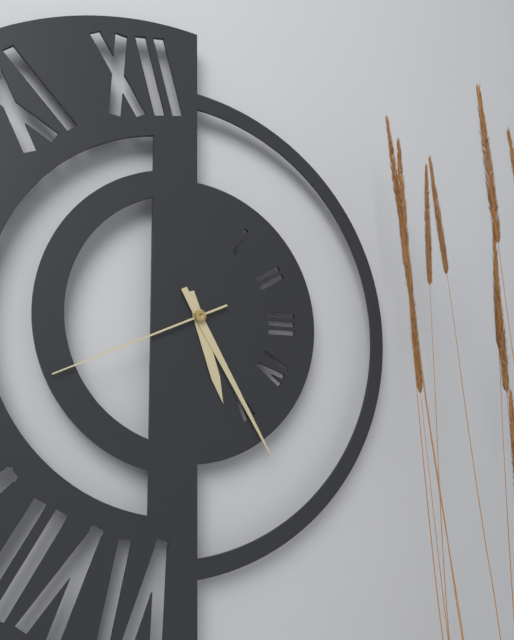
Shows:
{"hour": 5, "minute": 25, "second": 41}
